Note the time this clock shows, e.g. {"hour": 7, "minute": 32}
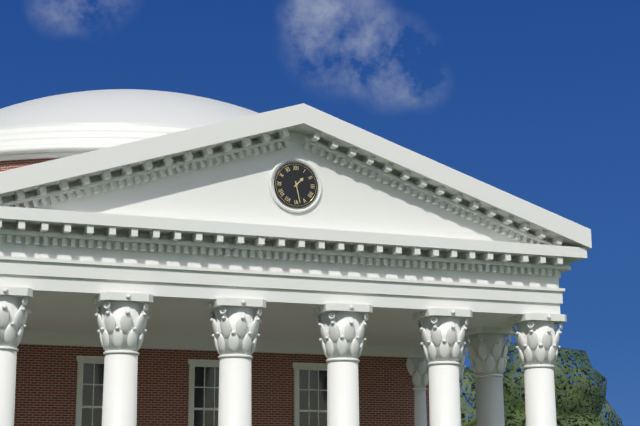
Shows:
{"hour": 1, "minute": 28}
